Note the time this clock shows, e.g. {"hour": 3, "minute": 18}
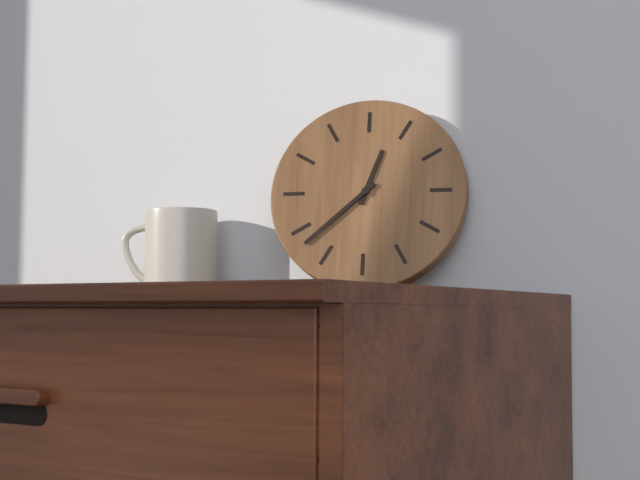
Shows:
{"hour": 12, "minute": 38}
